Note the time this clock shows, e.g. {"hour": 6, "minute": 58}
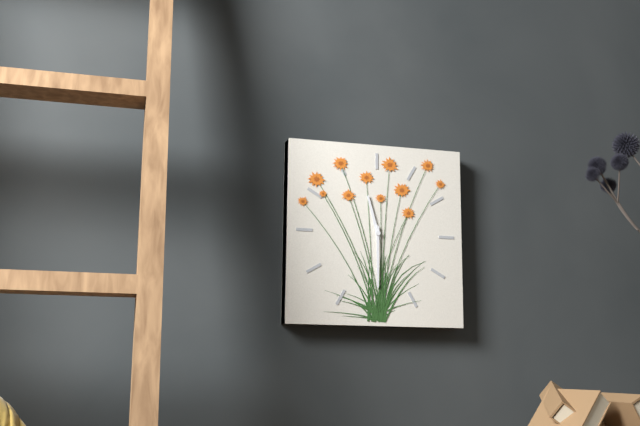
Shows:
{"hour": 11, "minute": 30}
